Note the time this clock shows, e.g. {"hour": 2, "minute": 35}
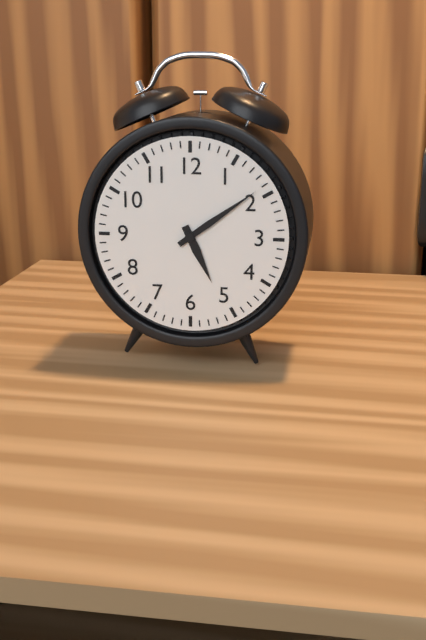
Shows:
{"hour": 5, "minute": 9}
